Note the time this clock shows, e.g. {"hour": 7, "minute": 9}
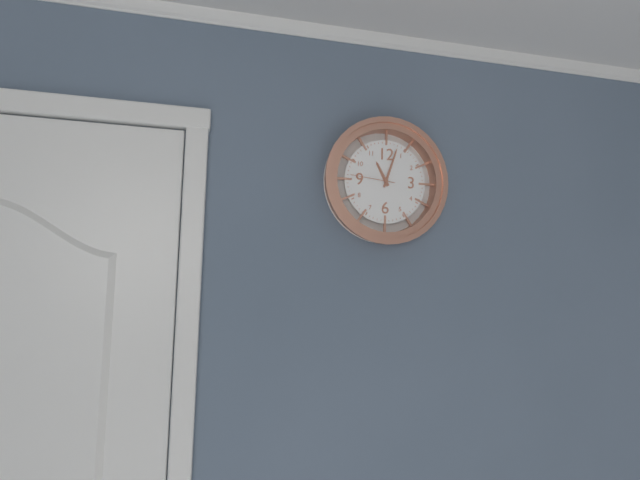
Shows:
{"hour": 11, "minute": 3}
